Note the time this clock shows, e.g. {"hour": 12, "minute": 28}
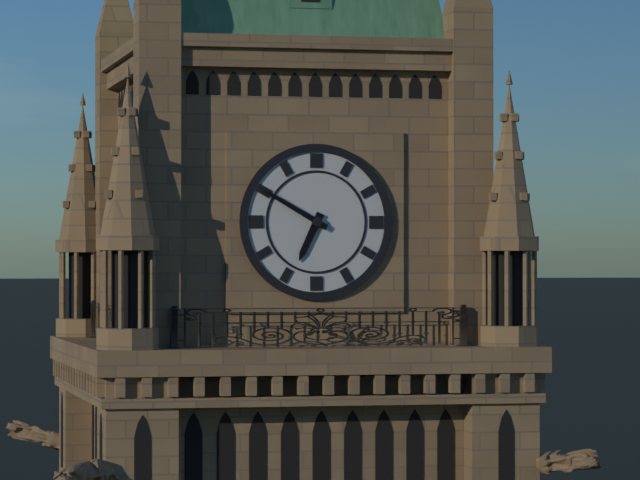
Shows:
{"hour": 6, "minute": 50}
